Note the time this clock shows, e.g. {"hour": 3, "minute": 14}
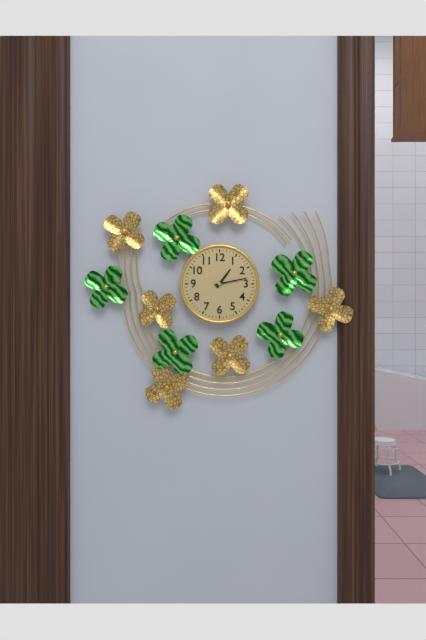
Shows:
{"hour": 1, "minute": 13}
